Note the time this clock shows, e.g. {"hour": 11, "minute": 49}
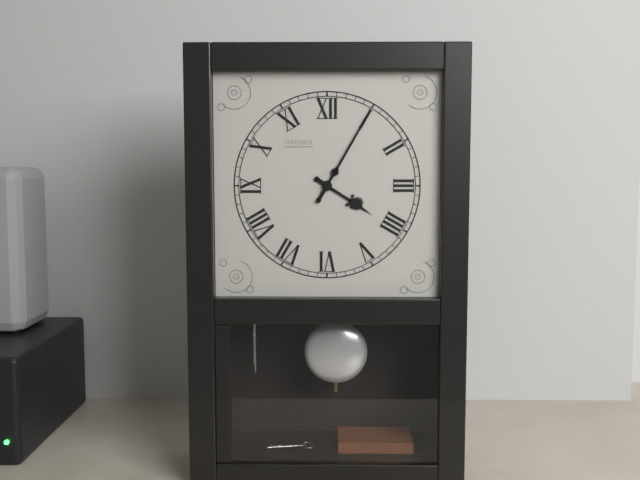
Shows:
{"hour": 4, "minute": 5}
